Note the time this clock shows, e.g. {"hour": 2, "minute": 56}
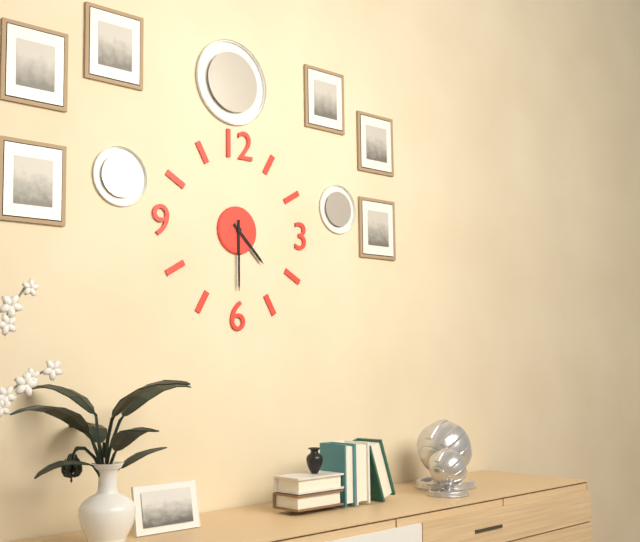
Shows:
{"hour": 4, "minute": 30}
